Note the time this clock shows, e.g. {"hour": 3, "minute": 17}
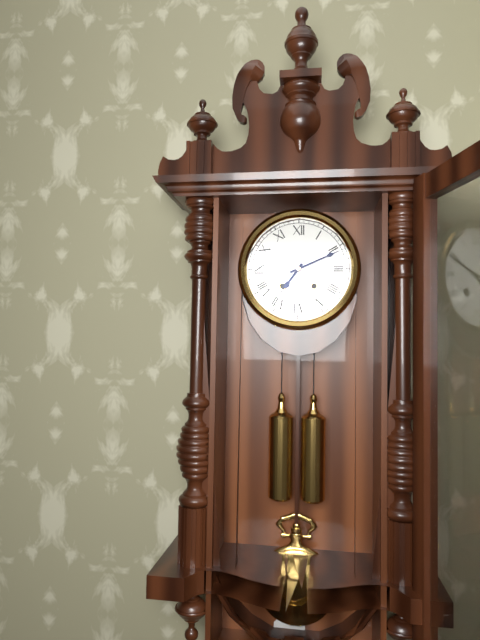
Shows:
{"hour": 7, "minute": 11}
